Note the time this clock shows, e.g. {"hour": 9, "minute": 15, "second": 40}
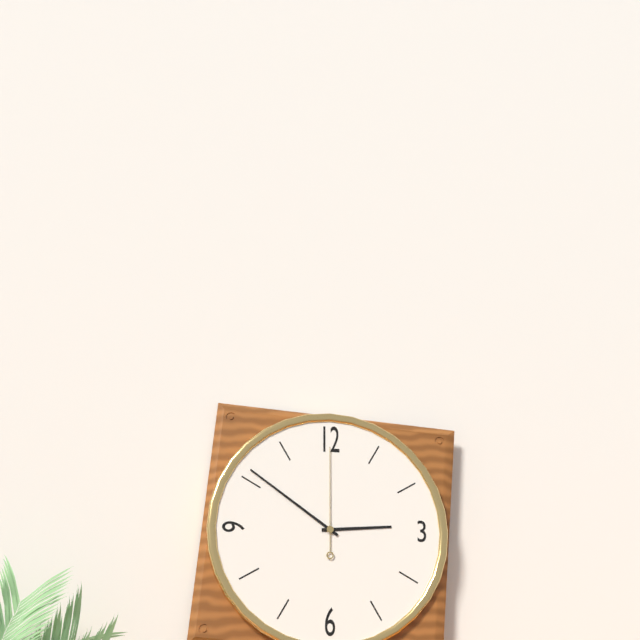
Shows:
{"hour": 2, "minute": 51, "second": 0}
